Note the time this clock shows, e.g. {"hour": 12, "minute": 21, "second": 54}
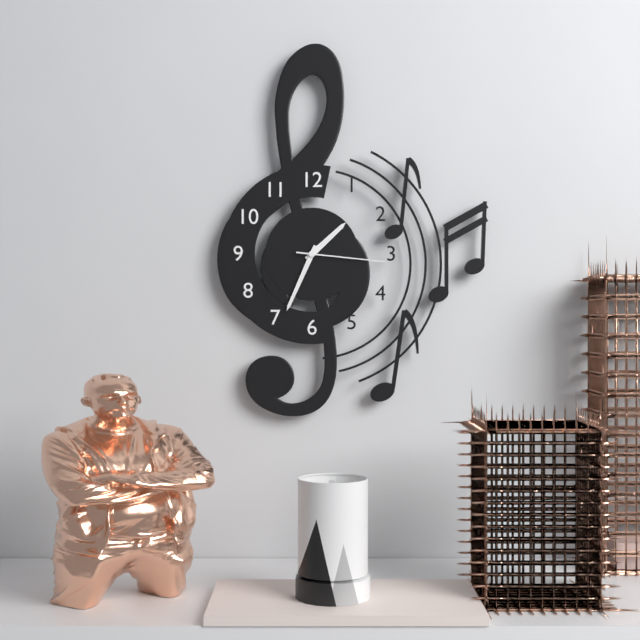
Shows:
{"hour": 1, "minute": 34, "second": 16}
